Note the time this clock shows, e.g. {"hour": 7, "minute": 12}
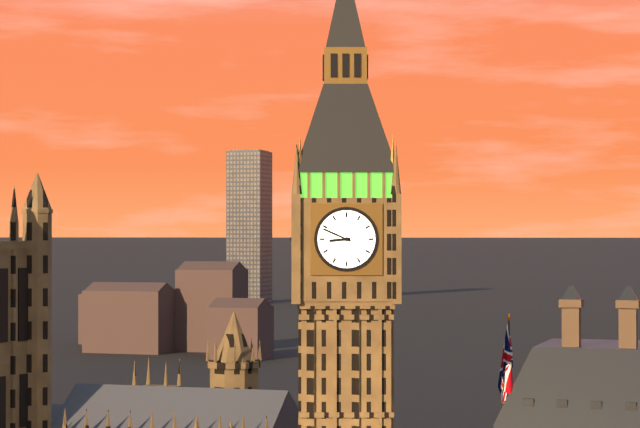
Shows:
{"hour": 8, "minute": 49}
